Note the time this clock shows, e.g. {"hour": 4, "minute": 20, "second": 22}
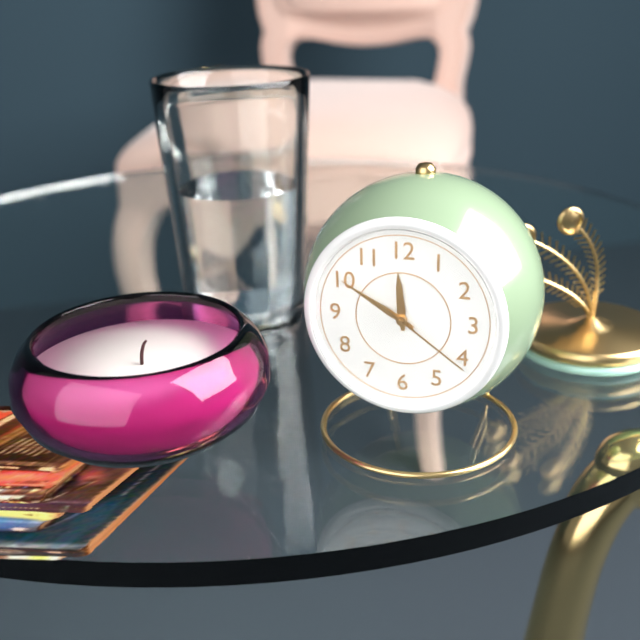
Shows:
{"hour": 11, "minute": 50, "second": 21}
